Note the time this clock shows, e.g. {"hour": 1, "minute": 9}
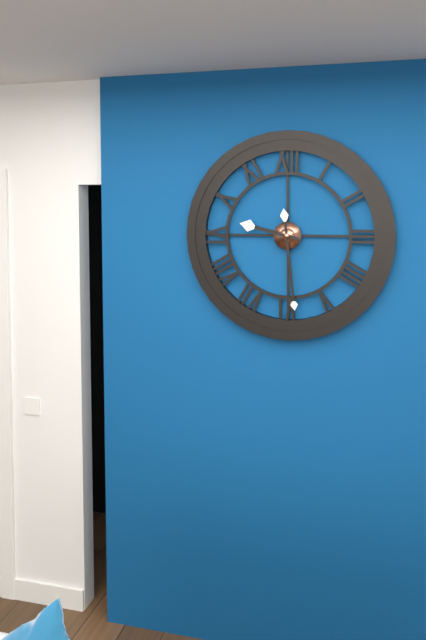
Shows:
{"hour": 9, "minute": 29}
